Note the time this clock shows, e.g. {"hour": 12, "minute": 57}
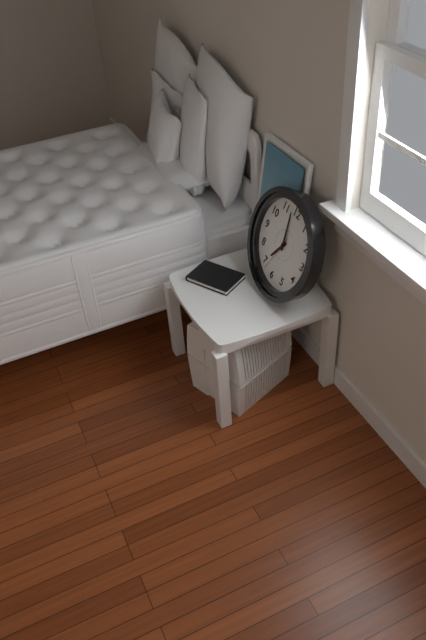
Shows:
{"hour": 6, "minute": 58}
